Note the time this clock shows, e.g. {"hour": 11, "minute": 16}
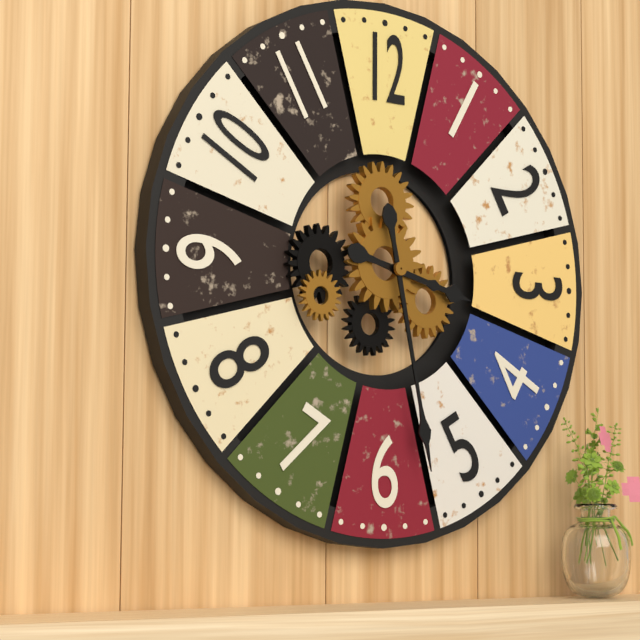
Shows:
{"hour": 3, "minute": 28}
